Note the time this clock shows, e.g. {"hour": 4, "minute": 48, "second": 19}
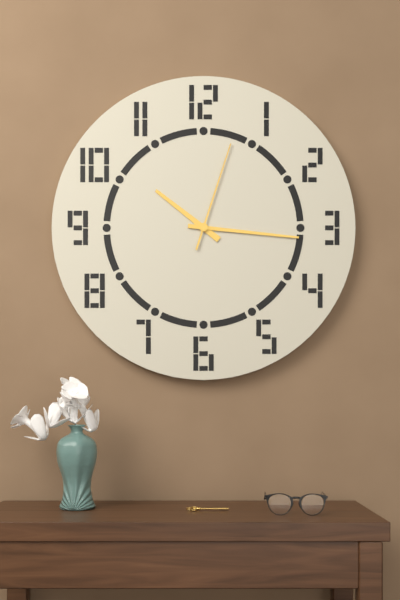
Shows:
{"hour": 10, "minute": 16, "second": 3}
